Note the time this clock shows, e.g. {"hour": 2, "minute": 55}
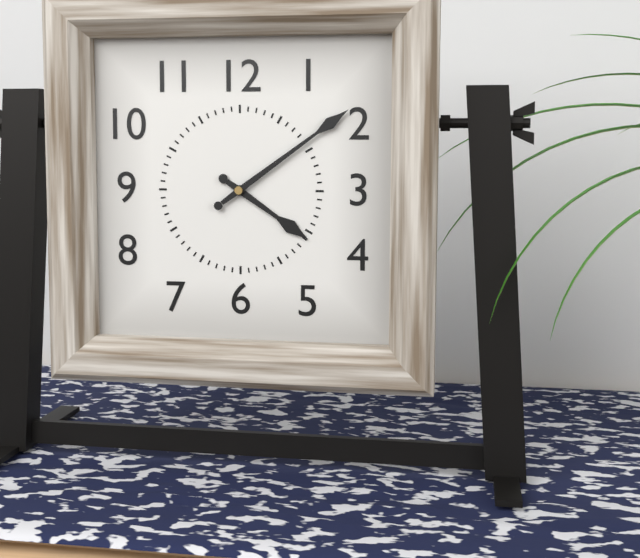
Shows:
{"hour": 4, "minute": 9}
